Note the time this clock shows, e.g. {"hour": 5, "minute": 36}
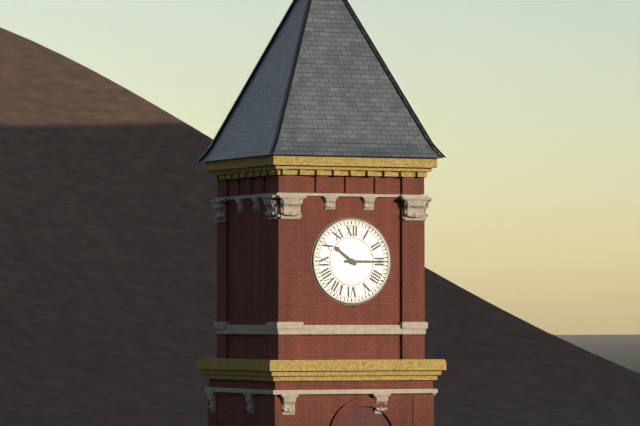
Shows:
{"hour": 10, "minute": 15}
